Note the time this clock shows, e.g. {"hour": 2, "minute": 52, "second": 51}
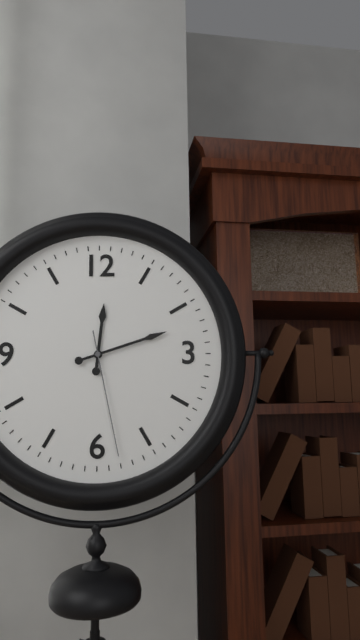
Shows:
{"hour": 12, "minute": 12, "second": 28}
